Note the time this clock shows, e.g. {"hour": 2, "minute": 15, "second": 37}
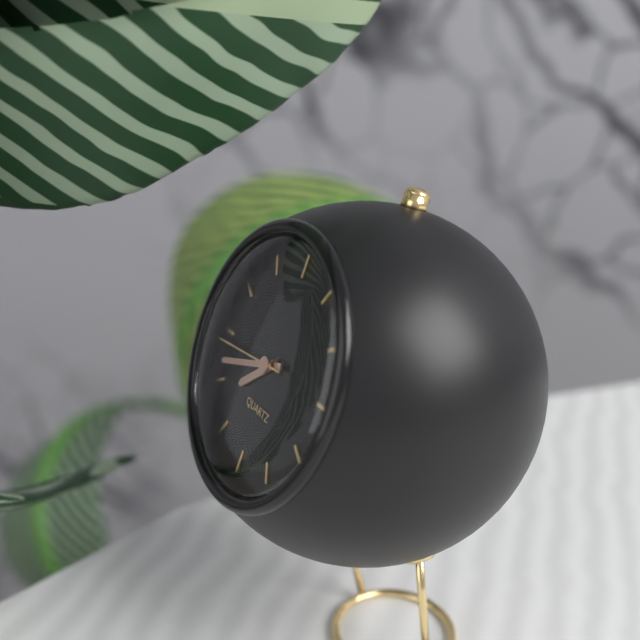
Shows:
{"hour": 7, "minute": 42, "second": 44}
